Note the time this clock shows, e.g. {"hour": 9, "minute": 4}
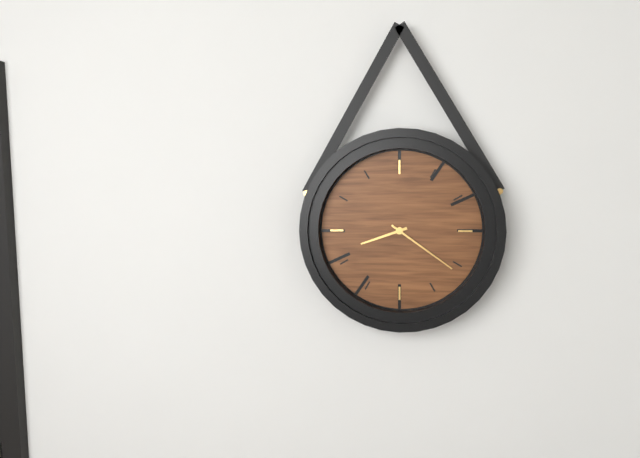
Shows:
{"hour": 8, "minute": 21}
